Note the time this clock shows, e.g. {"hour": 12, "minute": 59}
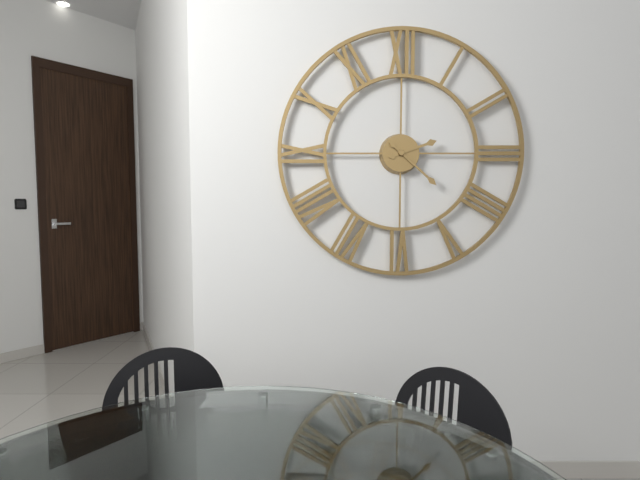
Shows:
{"hour": 2, "minute": 22}
